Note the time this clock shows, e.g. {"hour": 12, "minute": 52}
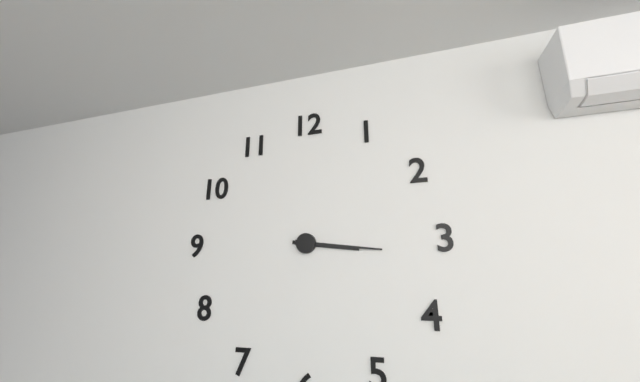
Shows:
{"hour": 3, "minute": 16}
